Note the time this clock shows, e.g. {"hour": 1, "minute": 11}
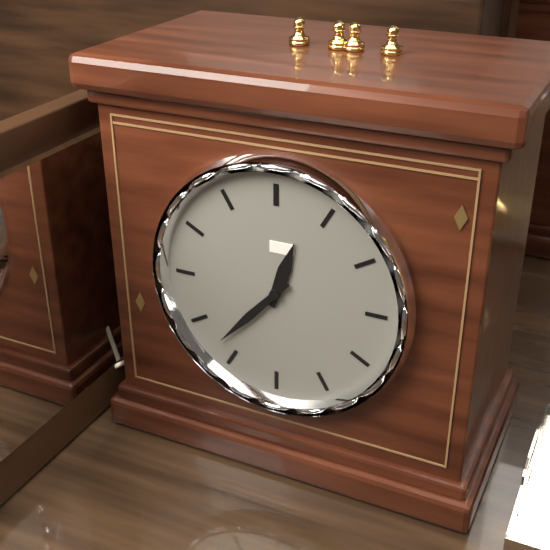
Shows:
{"hour": 12, "minute": 37}
